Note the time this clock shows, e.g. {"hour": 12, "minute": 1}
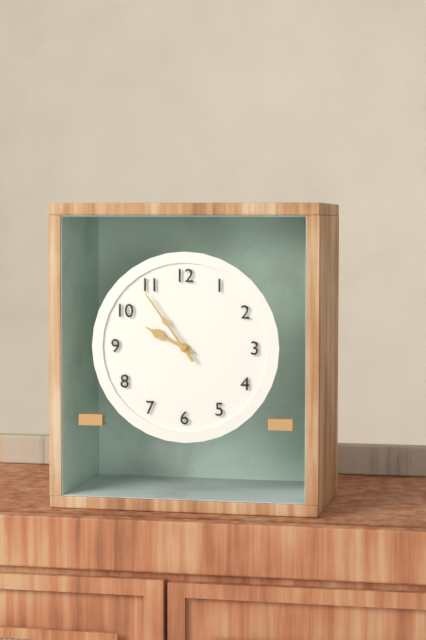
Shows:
{"hour": 9, "minute": 54}
